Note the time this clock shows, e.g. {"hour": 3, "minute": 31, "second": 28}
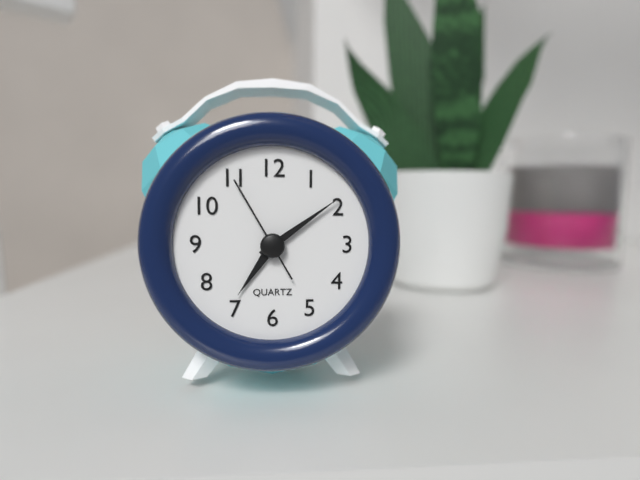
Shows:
{"hour": 7, "minute": 9, "second": 55}
